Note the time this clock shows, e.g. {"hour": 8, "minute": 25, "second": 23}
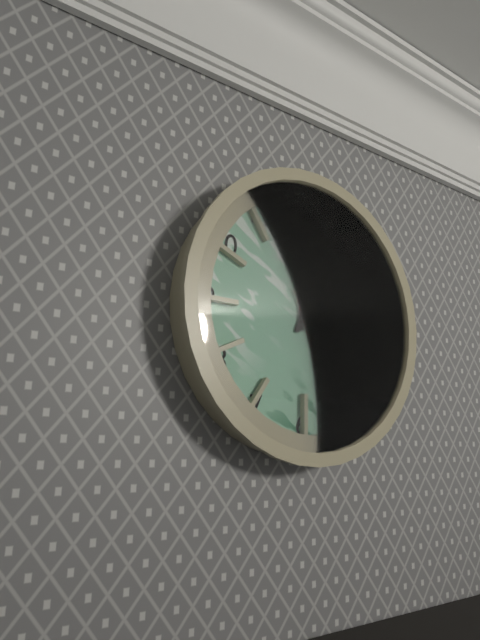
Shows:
{"hour": 12, "minute": 4, "second": 26}
